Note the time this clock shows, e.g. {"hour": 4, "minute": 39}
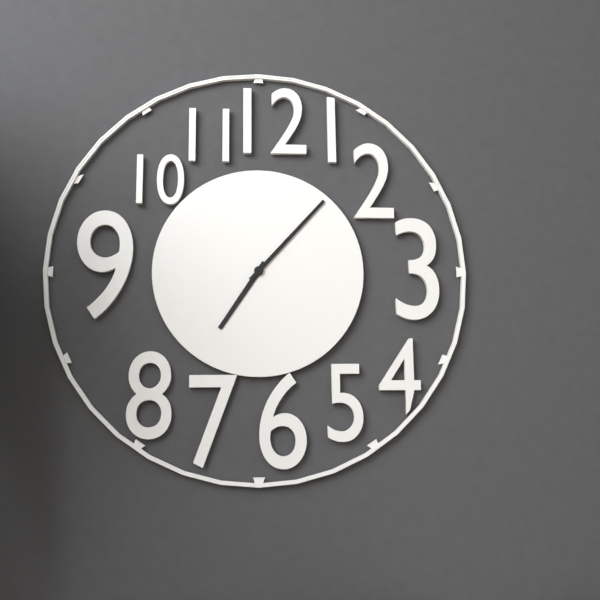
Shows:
{"hour": 7, "minute": 7}
